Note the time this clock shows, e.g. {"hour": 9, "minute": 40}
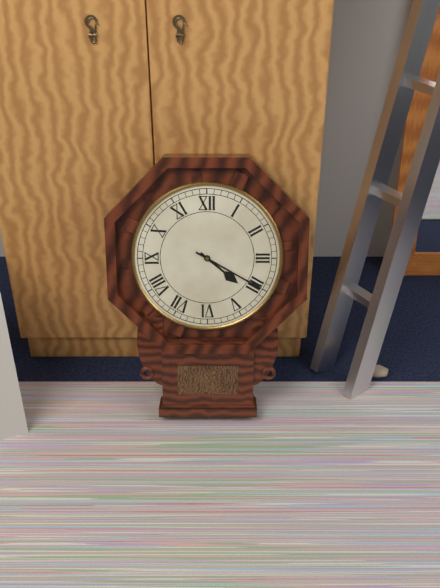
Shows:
{"hour": 4, "minute": 20}
